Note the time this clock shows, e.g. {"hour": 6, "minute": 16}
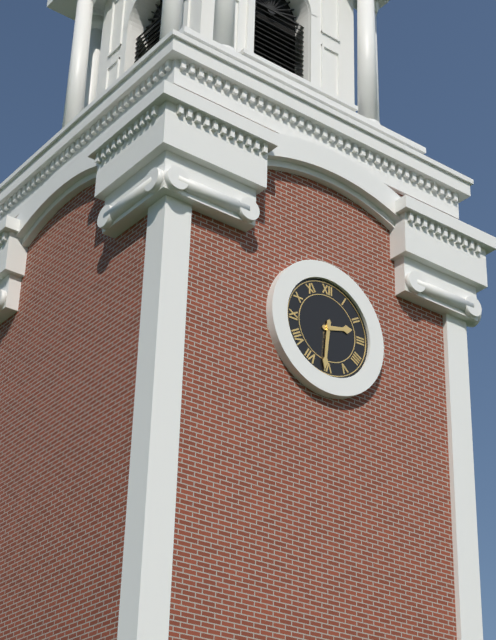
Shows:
{"hour": 2, "minute": 31}
